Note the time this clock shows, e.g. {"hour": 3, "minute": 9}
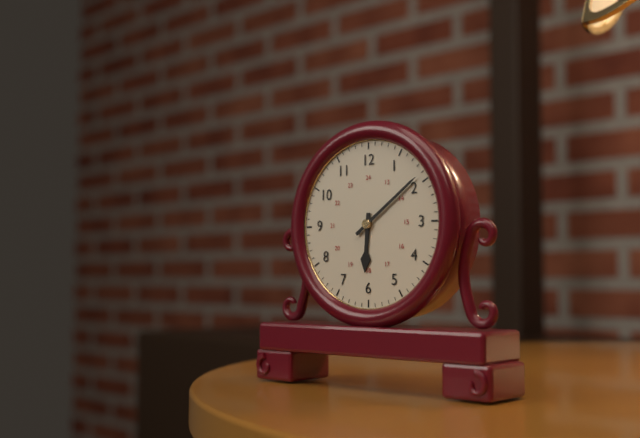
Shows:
{"hour": 6, "minute": 9}
